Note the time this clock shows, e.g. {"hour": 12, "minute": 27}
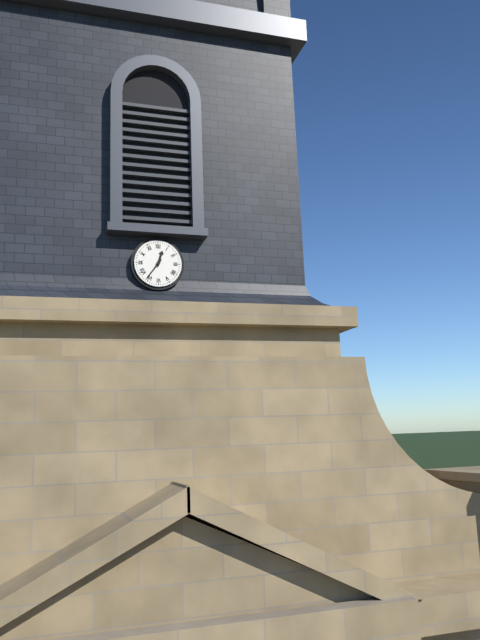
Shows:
{"hour": 12, "minute": 36}
